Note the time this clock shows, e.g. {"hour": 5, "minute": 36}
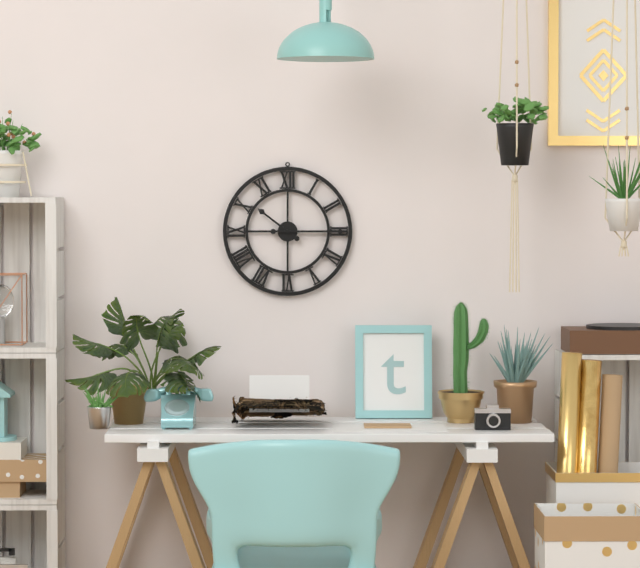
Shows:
{"hour": 10, "minute": 15}
